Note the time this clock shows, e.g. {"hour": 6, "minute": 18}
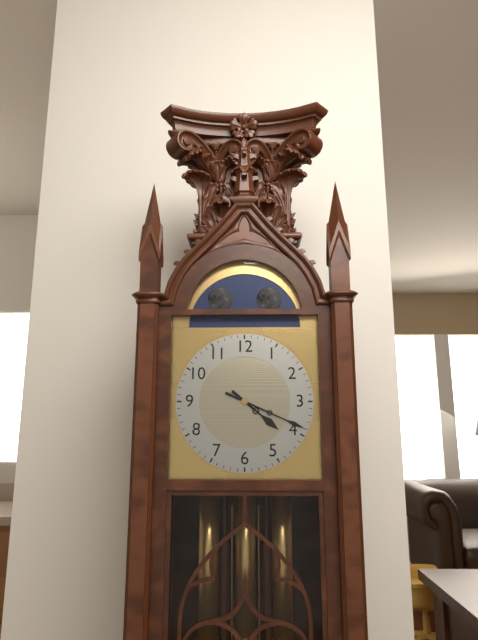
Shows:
{"hour": 4, "minute": 19}
